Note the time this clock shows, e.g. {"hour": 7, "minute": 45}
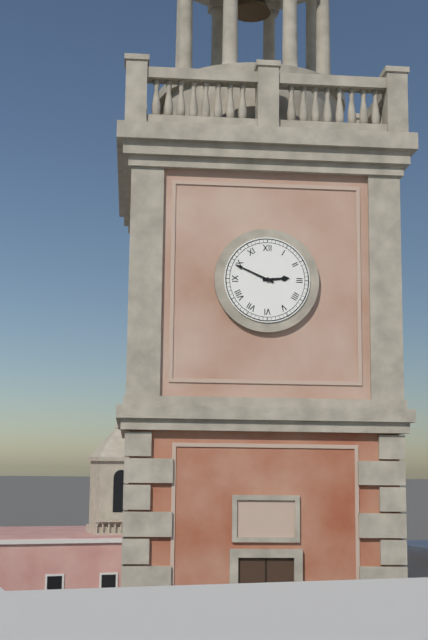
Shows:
{"hour": 2, "minute": 49}
